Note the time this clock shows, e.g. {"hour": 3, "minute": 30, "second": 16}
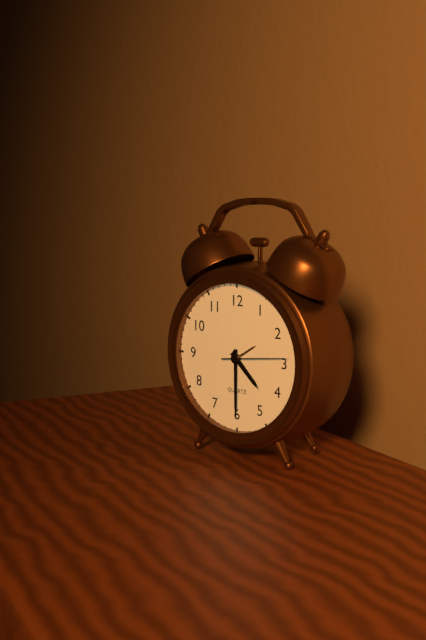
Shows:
{"hour": 4, "minute": 30, "second": 14}
